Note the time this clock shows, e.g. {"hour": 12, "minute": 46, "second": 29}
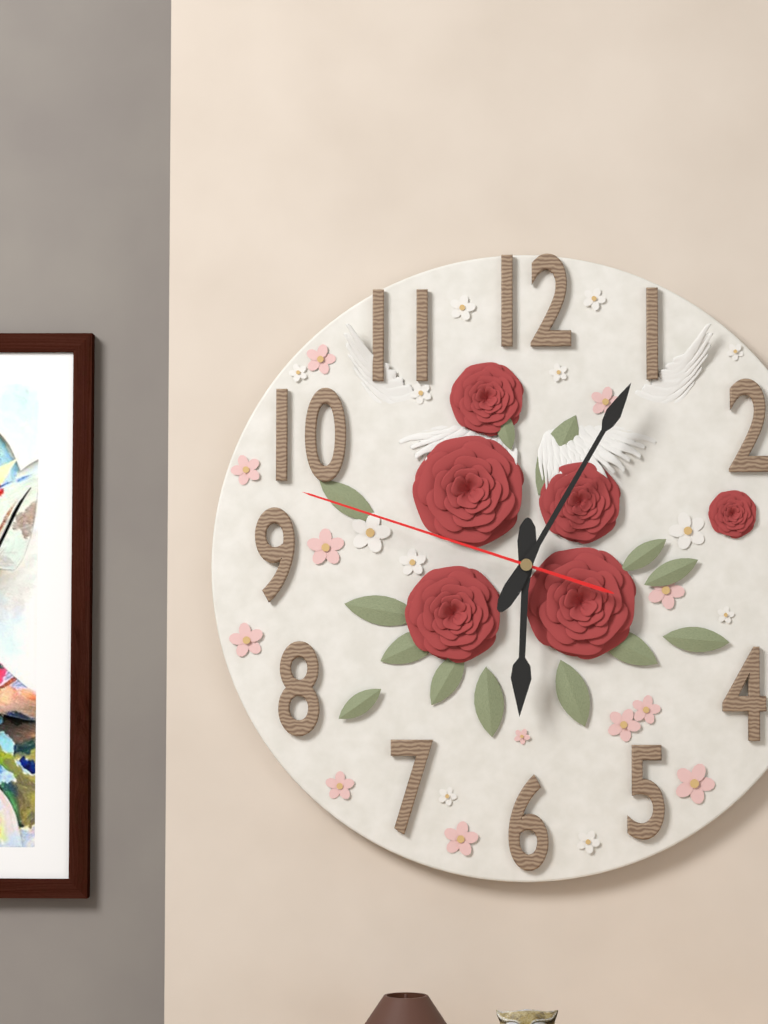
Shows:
{"hour": 6, "minute": 5, "second": 48}
